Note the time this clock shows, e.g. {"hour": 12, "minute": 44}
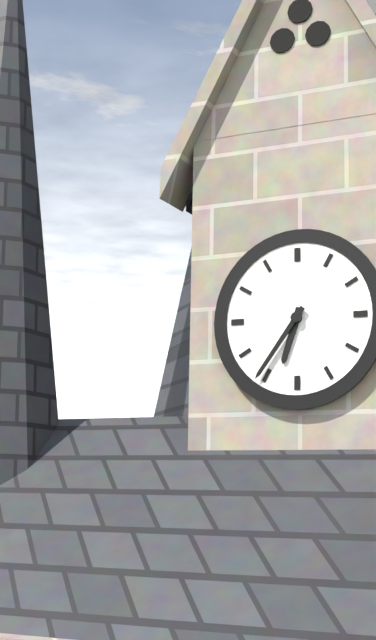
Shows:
{"hour": 6, "minute": 36}
